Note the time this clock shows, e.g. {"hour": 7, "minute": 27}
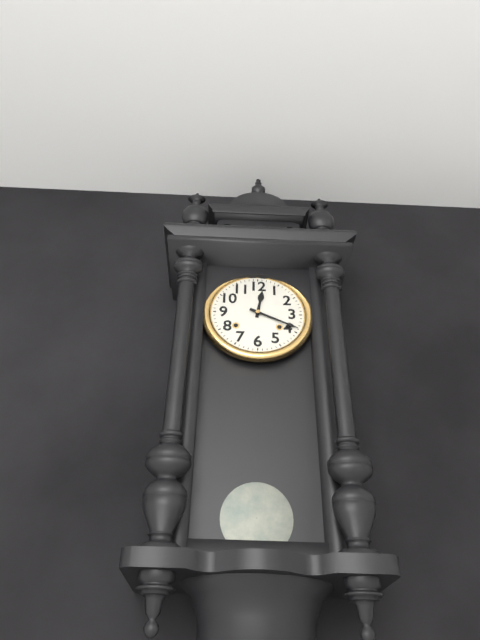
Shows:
{"hour": 12, "minute": 19}
